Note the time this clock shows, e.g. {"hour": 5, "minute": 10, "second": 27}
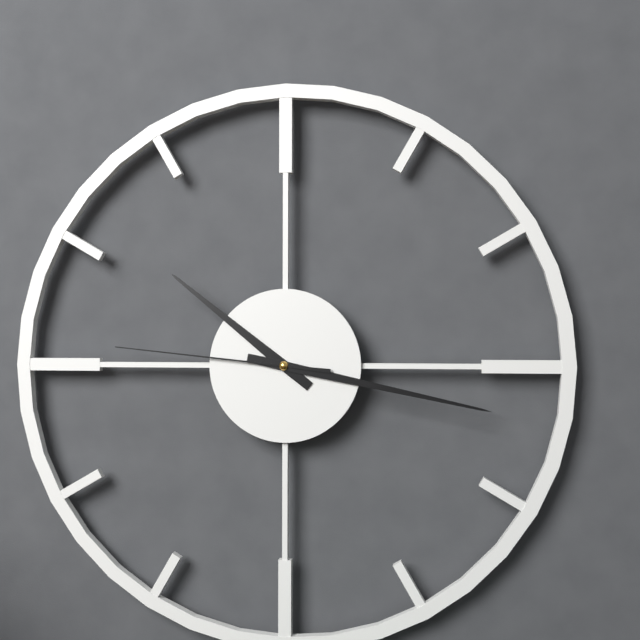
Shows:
{"hour": 10, "minute": 17, "second": 46}
